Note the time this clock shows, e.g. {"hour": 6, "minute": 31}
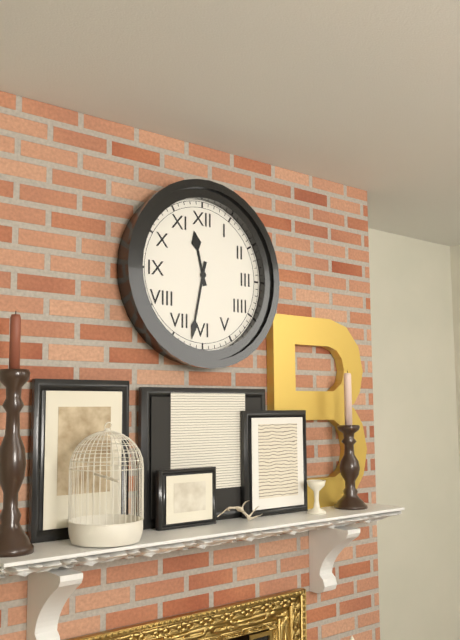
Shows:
{"hour": 11, "minute": 32}
